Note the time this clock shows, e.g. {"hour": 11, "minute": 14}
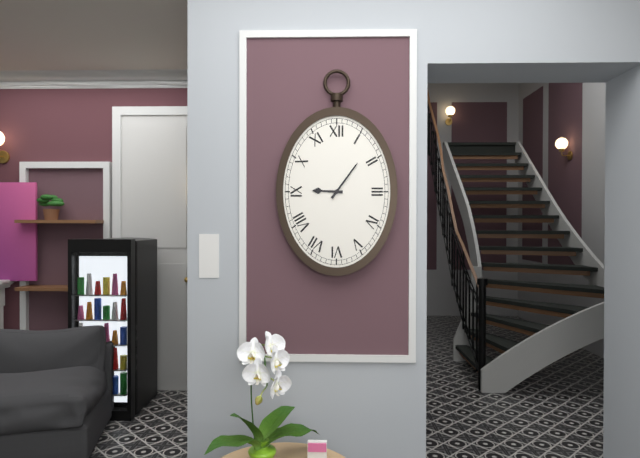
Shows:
{"hour": 9, "minute": 6}
